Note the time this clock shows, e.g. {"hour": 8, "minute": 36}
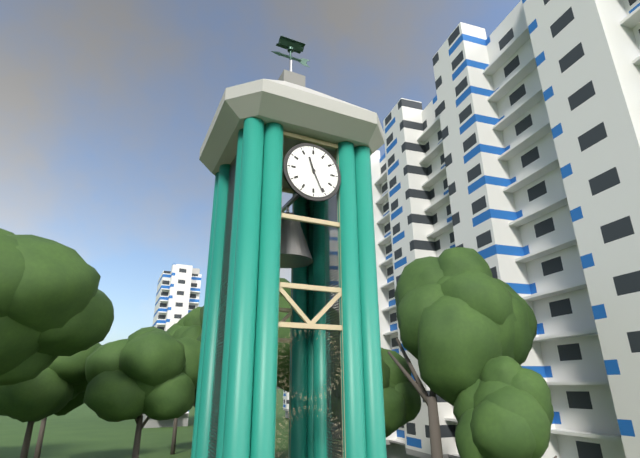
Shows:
{"hour": 11, "minute": 26}
